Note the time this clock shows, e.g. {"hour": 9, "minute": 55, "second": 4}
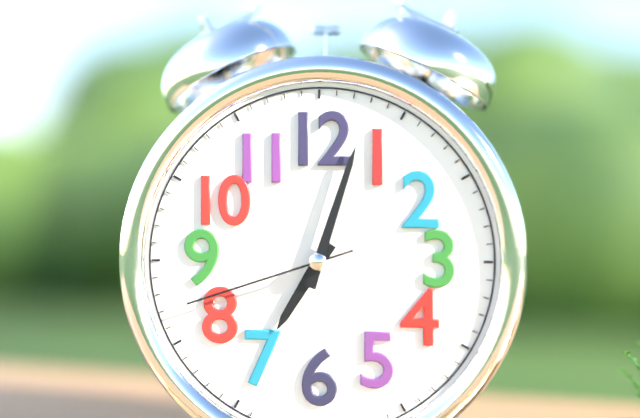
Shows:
{"hour": 7, "minute": 3, "second": 42}
